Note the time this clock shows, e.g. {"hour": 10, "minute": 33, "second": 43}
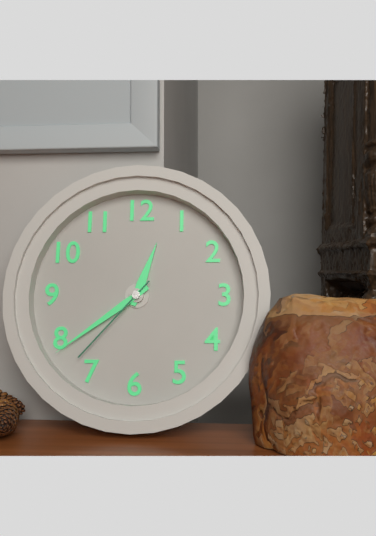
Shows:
{"hour": 12, "minute": 39, "second": 37}
